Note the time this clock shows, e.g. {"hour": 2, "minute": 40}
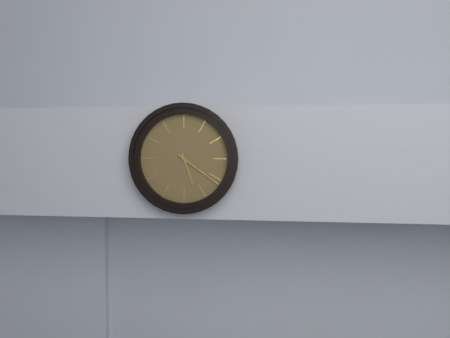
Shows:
{"hour": 5, "minute": 21}
